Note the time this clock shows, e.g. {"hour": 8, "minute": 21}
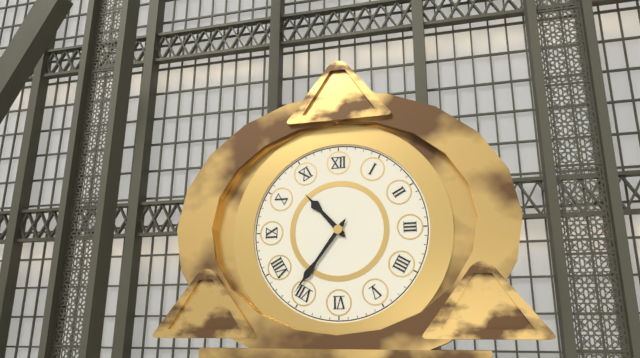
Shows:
{"hour": 10, "minute": 36}
